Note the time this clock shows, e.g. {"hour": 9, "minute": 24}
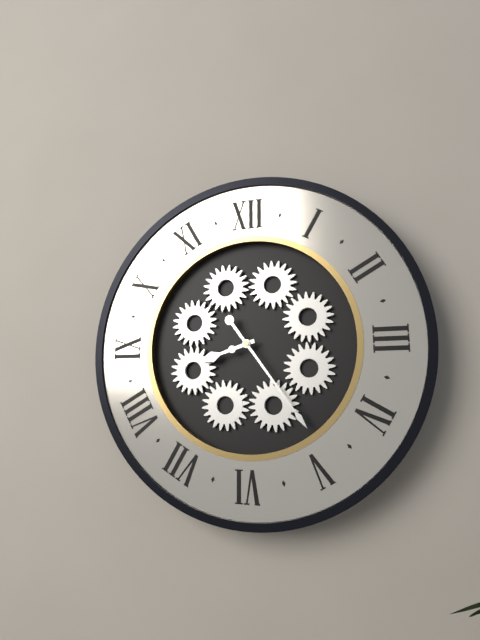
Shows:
{"hour": 8, "minute": 24}
